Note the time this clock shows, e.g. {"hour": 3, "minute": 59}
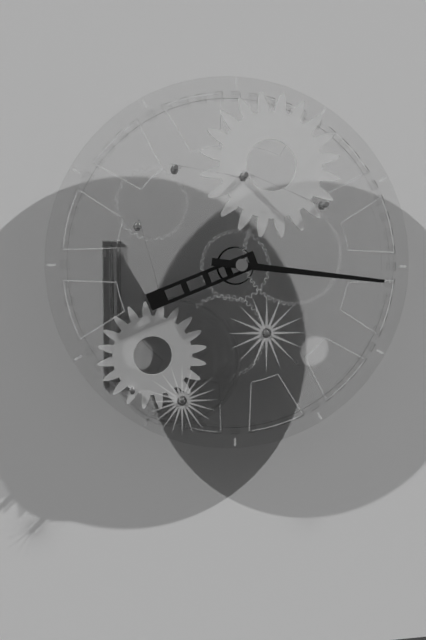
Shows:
{"hour": 8, "minute": 16}
